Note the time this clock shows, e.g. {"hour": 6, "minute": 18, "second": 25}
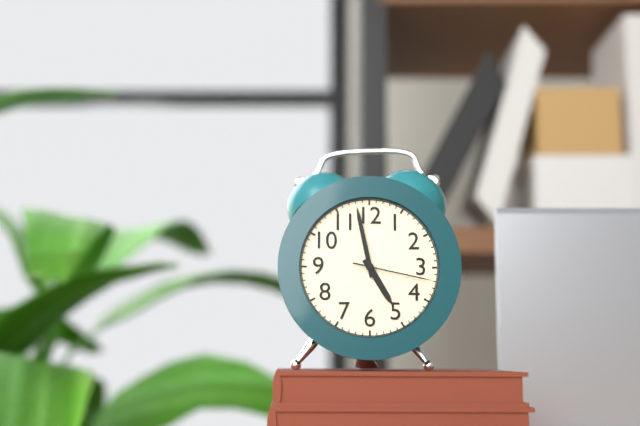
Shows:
{"hour": 4, "minute": 58, "second": 17}
